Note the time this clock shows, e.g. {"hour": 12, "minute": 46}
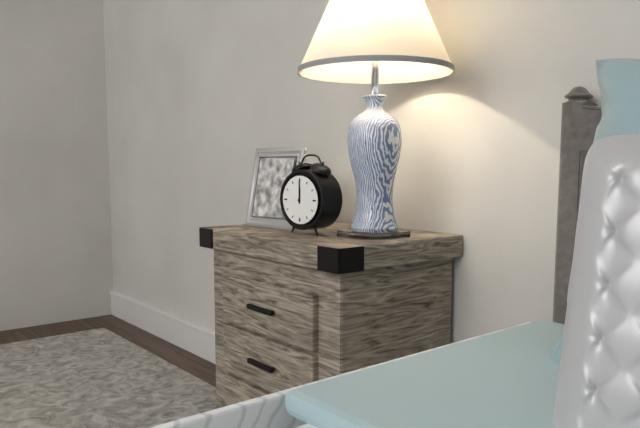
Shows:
{"hour": 12, "minute": 0}
